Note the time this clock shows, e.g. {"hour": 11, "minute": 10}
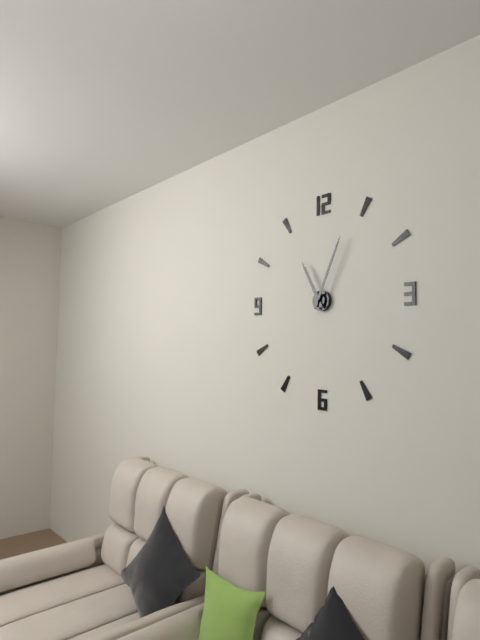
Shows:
{"hour": 11, "minute": 4}
